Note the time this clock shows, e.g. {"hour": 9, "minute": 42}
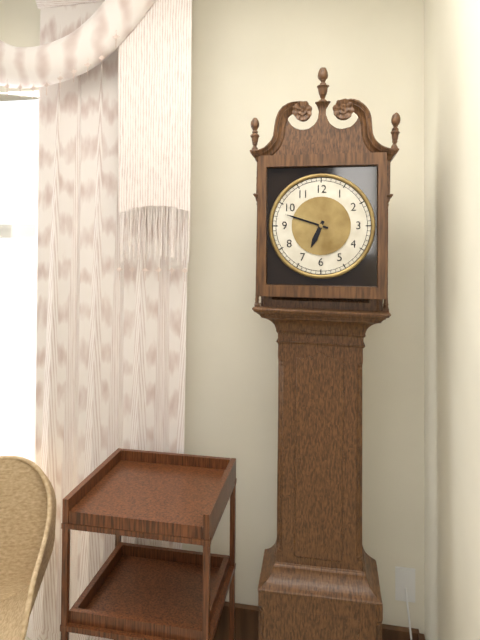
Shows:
{"hour": 6, "minute": 48}
